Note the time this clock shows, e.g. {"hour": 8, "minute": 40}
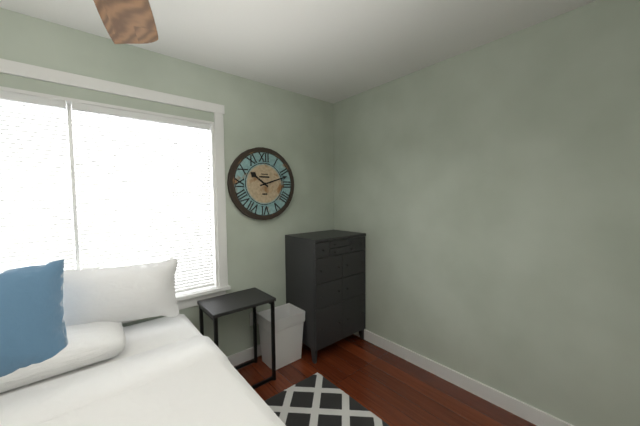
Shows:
{"hour": 10, "minute": 12}
